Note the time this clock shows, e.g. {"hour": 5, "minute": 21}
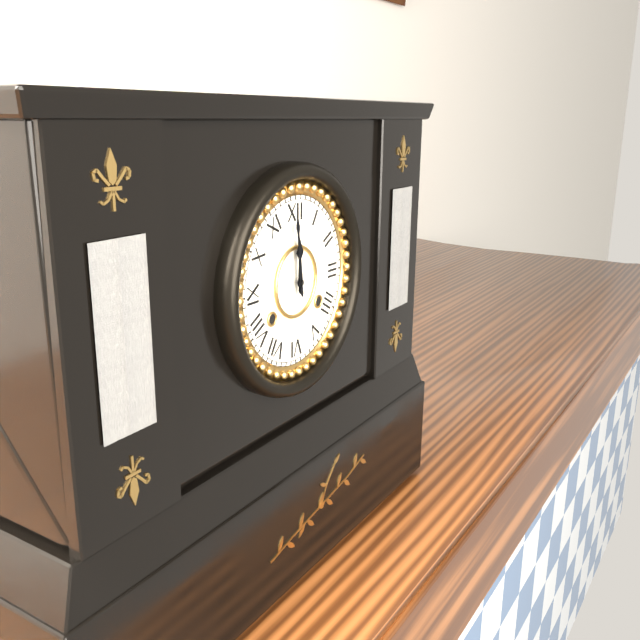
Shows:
{"hour": 11, "minute": 59}
